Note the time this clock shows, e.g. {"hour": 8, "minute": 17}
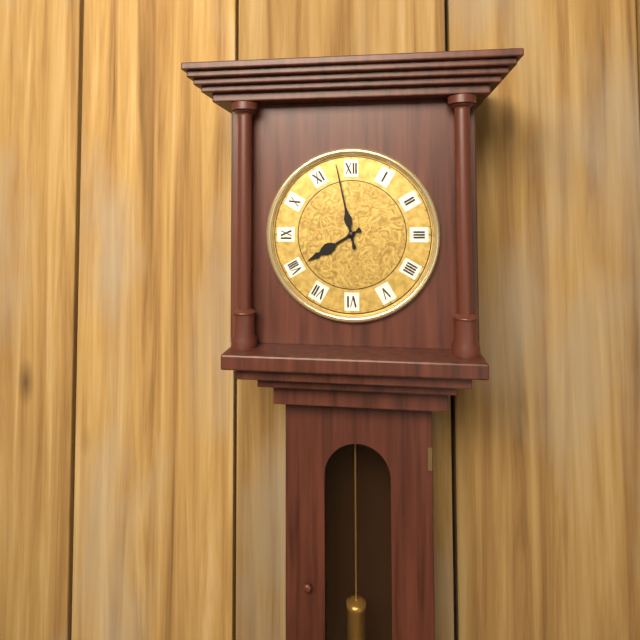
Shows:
{"hour": 7, "minute": 58}
